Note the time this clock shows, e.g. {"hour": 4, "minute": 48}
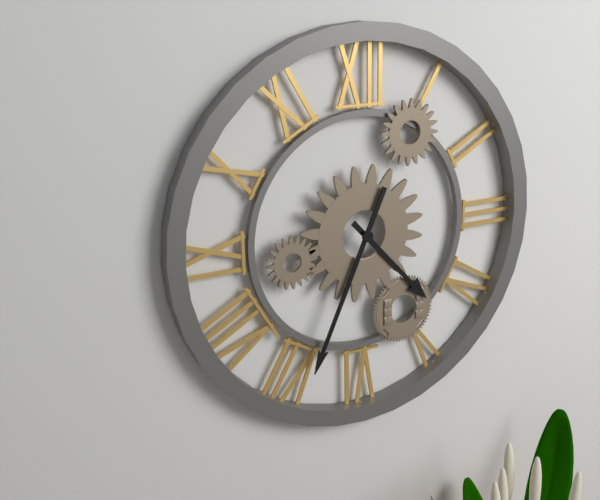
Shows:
{"hour": 4, "minute": 34}
